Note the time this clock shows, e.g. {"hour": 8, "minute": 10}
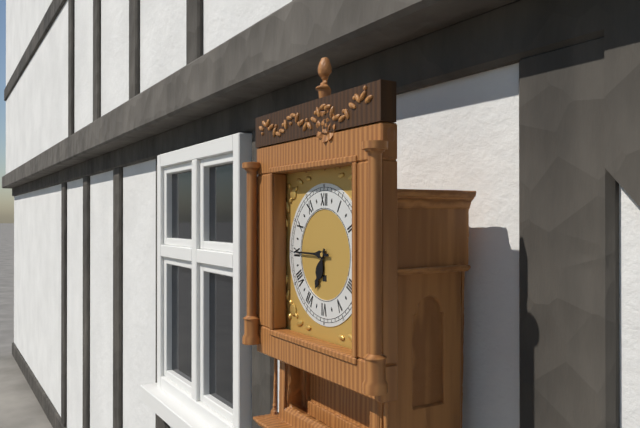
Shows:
{"hour": 6, "minute": 45}
